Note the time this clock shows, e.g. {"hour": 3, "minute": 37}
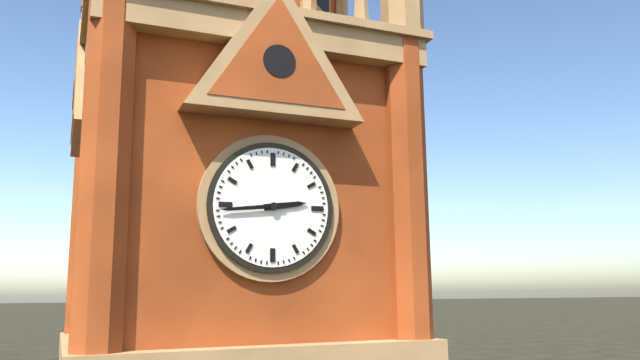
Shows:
{"hour": 2, "minute": 44}
